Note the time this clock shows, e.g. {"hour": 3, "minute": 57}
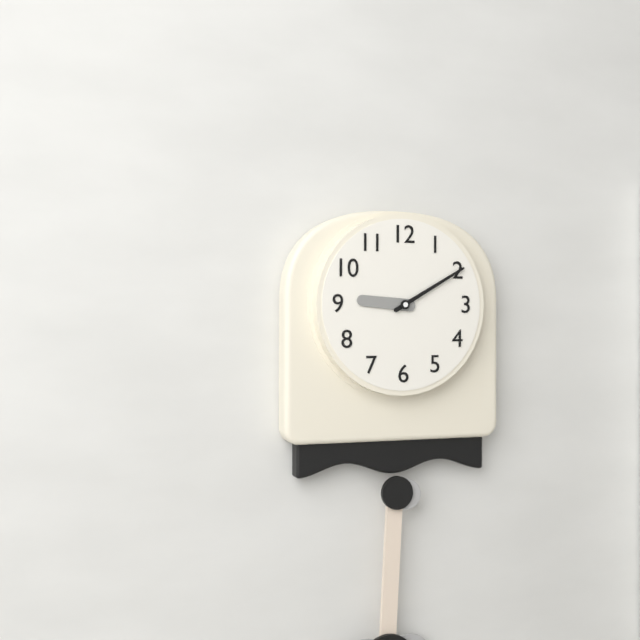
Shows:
{"hour": 9, "minute": 10}
